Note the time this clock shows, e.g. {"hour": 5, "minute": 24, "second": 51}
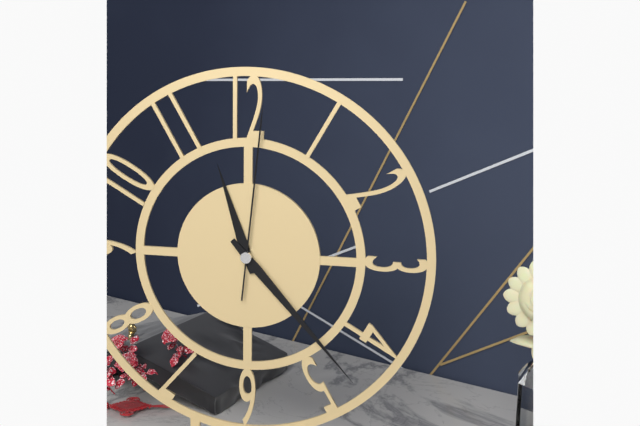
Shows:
{"hour": 11, "minute": 23, "second": 1}
